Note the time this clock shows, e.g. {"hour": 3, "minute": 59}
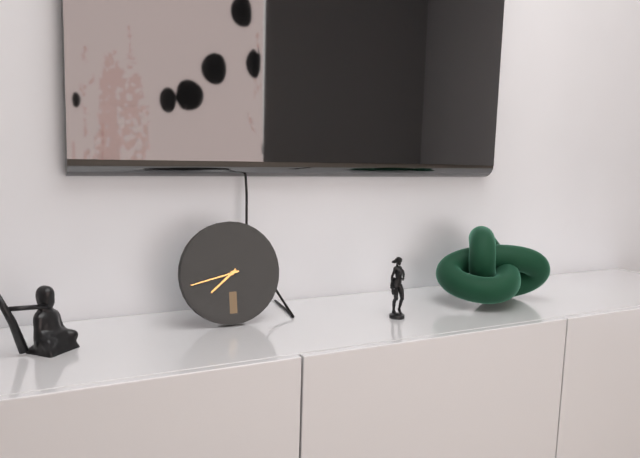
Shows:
{"hour": 7, "minute": 43}
